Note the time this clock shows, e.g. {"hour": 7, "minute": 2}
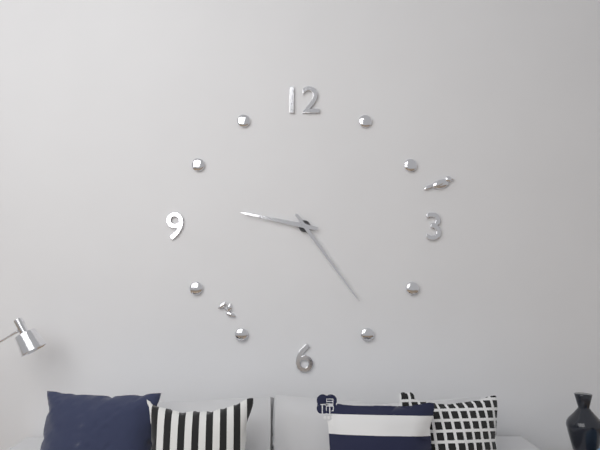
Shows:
{"hour": 9, "minute": 24}
